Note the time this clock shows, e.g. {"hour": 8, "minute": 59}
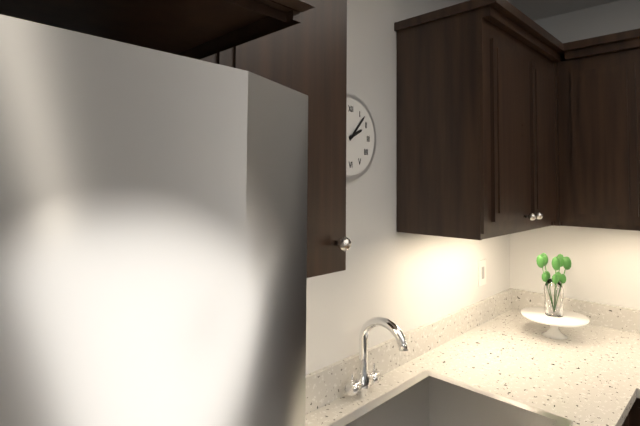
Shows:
{"hour": 2, "minute": 7}
